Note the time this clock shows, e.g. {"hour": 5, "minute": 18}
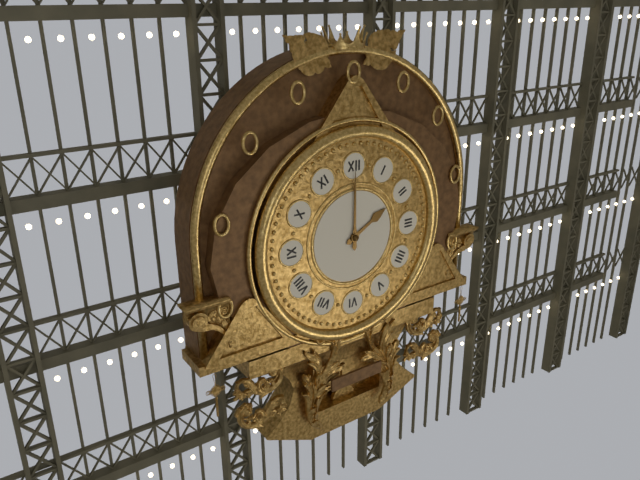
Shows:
{"hour": 2, "minute": 0}
